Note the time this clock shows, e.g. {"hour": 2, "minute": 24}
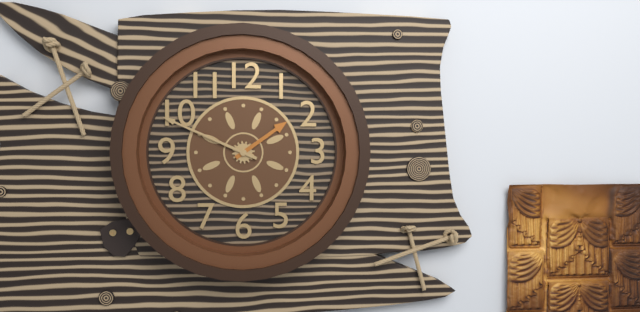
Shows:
{"hour": 1, "minute": 49}
